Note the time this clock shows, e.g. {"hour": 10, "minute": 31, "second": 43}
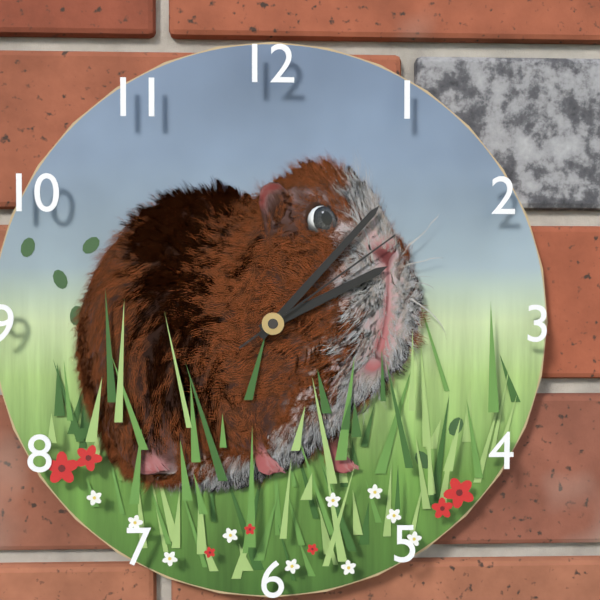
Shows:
{"hour": 2, "minute": 7, "second": 9}
